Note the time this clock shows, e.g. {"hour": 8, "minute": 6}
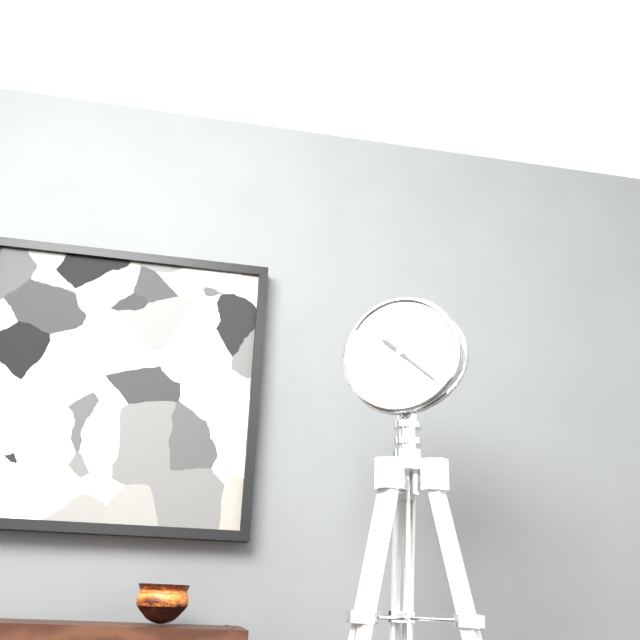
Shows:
{"hour": 10, "minute": 22}
